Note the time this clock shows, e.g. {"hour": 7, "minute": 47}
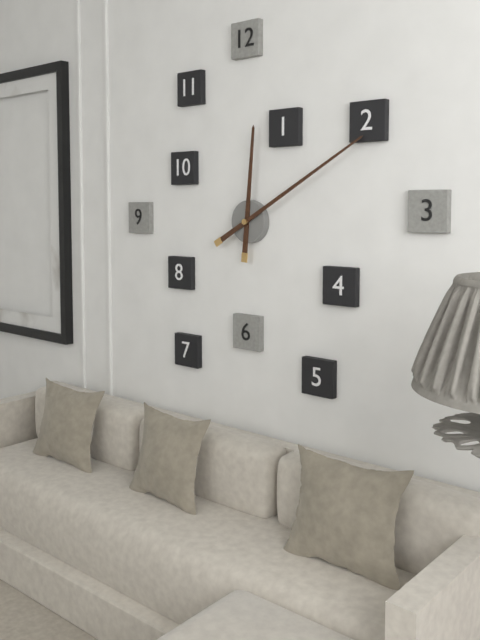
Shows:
{"hour": 12, "minute": 10}
